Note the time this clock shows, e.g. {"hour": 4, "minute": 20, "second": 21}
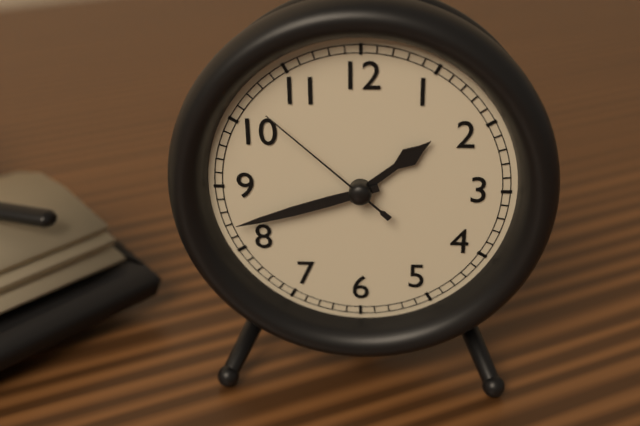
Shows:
{"hour": 1, "minute": 42, "second": 52}
